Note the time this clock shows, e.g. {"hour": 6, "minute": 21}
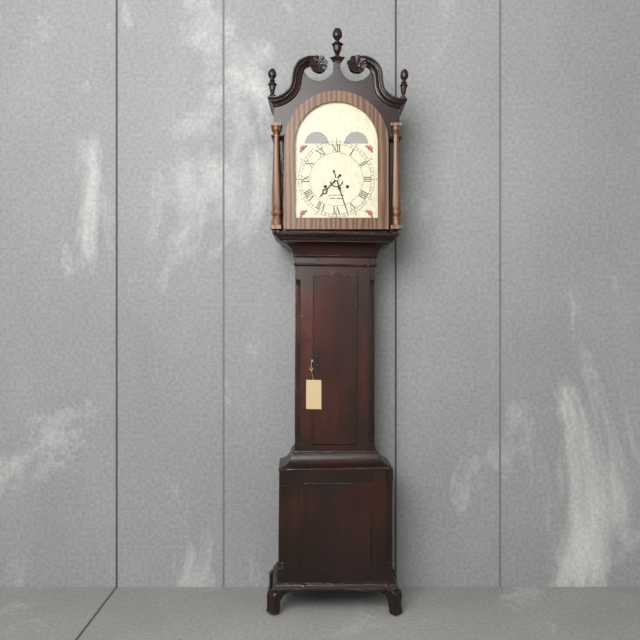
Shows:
{"hour": 7, "minute": 27}
